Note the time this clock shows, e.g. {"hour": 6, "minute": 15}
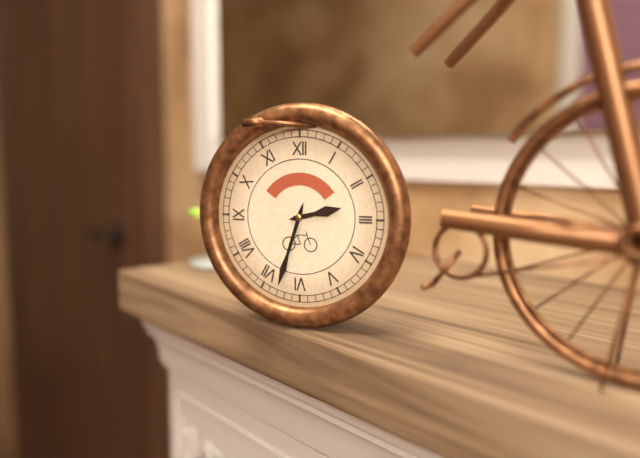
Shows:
{"hour": 2, "minute": 33}
